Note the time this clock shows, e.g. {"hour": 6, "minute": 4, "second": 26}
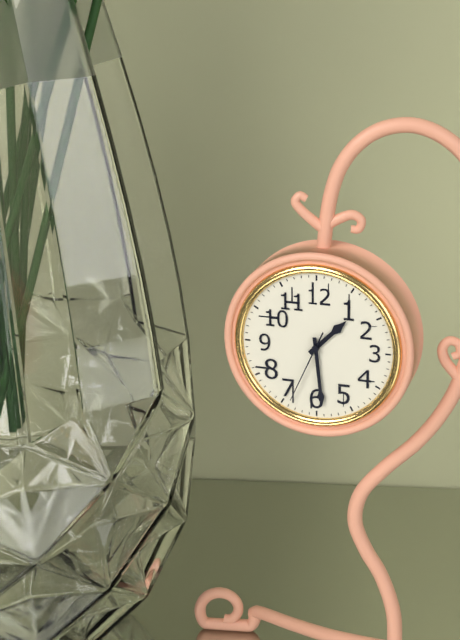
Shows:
{"hour": 1, "minute": 29, "second": 34}
